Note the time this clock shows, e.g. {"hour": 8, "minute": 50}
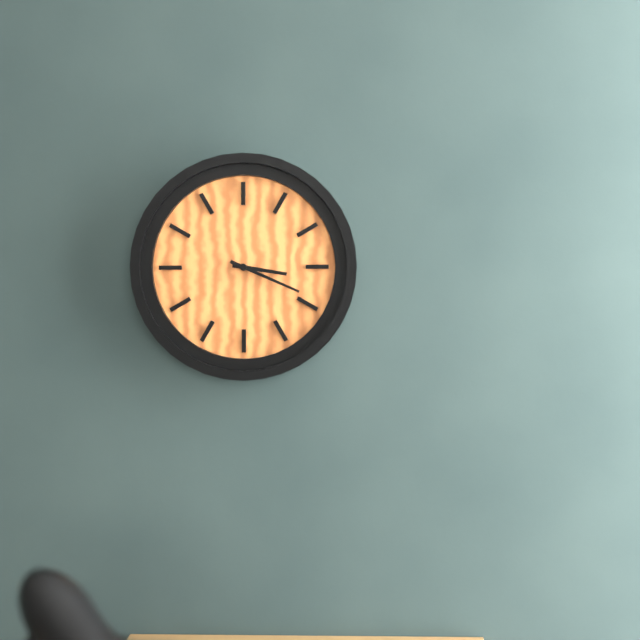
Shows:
{"hour": 3, "minute": 19}
